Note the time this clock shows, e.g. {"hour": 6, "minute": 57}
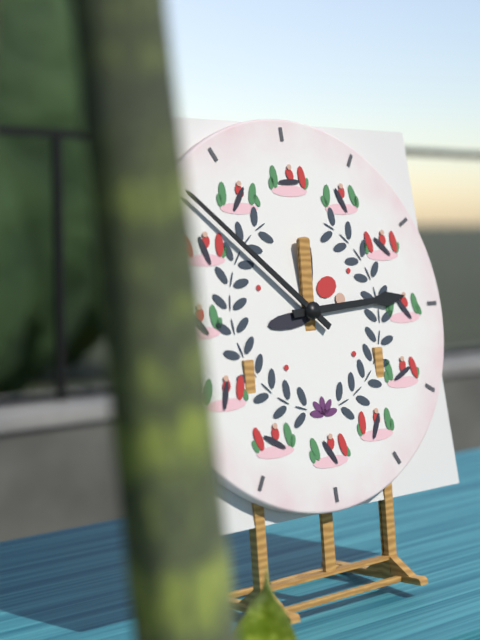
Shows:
{"hour": 2, "minute": 52}
